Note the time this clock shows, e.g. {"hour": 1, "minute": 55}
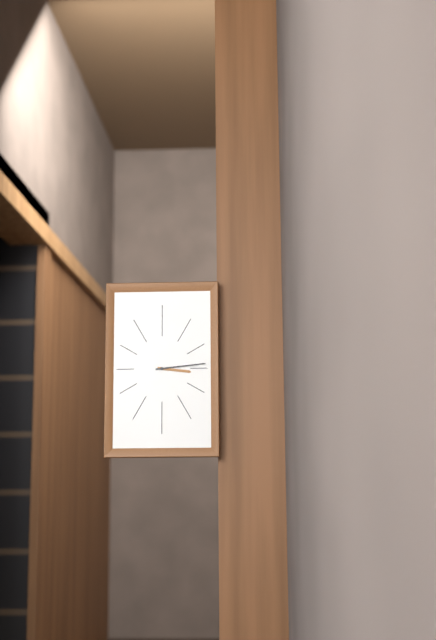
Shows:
{"hour": 3, "minute": 14}
